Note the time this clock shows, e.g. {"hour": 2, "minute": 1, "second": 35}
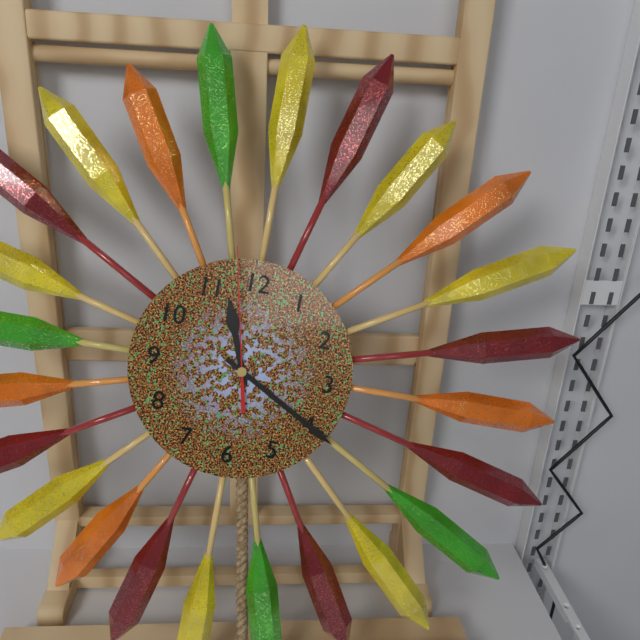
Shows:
{"hour": 11, "minute": 20, "second": 58}
